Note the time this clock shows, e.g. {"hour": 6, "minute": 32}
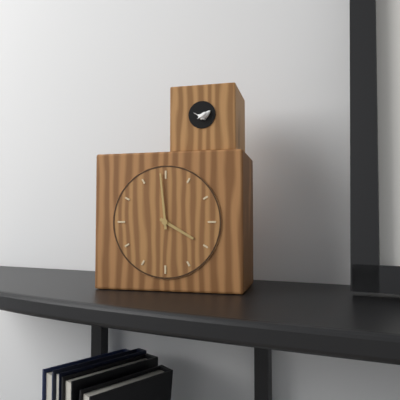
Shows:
{"hour": 3, "minute": 59}
